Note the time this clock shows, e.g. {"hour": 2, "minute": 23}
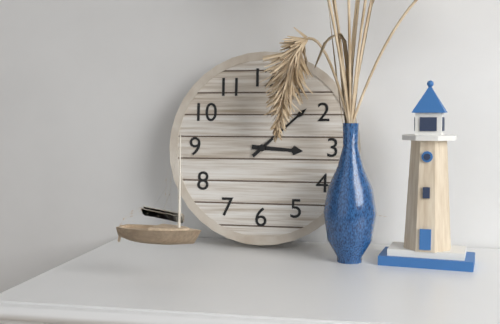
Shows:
{"hour": 3, "minute": 8}
